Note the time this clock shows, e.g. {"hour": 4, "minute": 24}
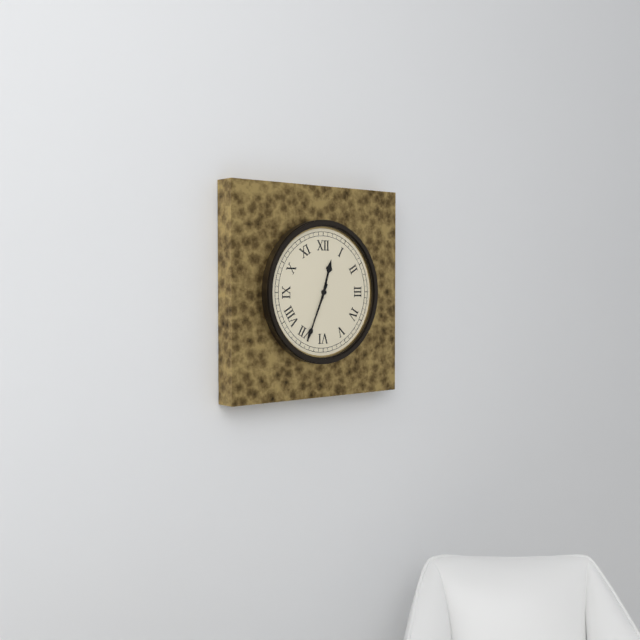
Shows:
{"hour": 12, "minute": 34}
